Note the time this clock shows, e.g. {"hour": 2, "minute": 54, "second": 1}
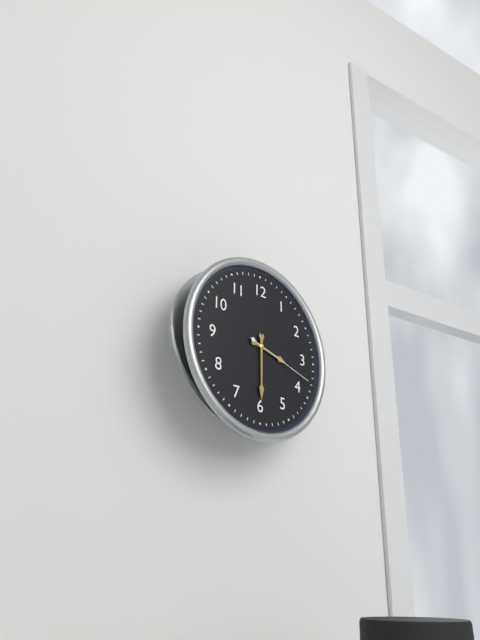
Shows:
{"hour": 3, "minute": 30, "second": 18}
